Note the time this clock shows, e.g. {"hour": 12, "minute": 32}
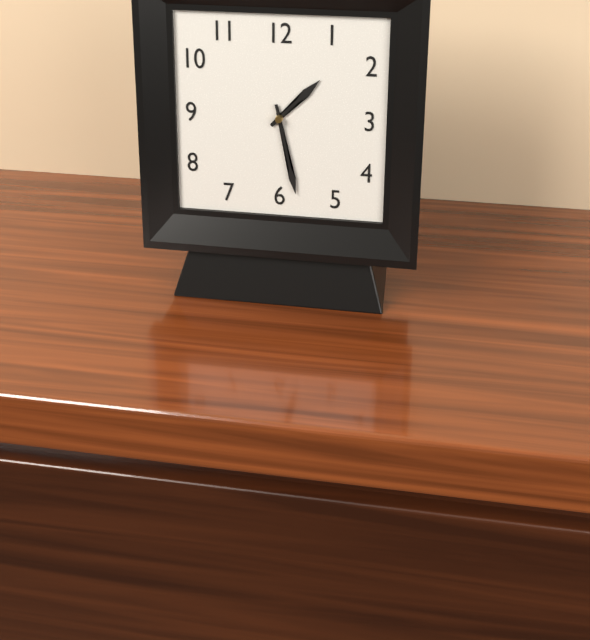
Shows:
{"hour": 1, "minute": 28}
